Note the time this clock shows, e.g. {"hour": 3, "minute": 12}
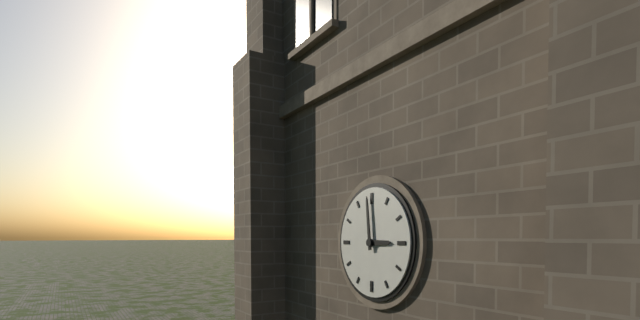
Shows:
{"hour": 2, "minute": 59}
